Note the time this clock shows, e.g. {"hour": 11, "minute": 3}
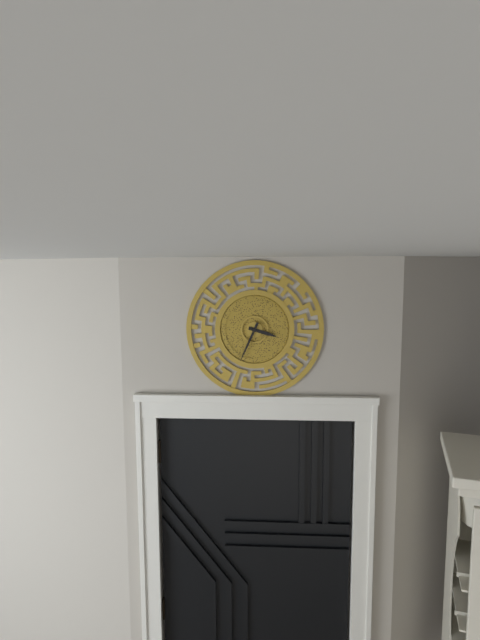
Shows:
{"hour": 3, "minute": 34}
